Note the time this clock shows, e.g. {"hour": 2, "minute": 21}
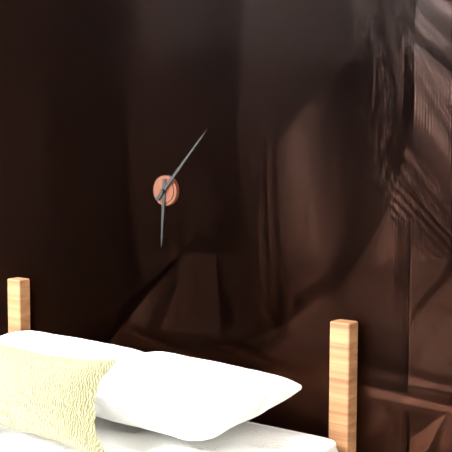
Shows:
{"hour": 6, "minute": 7}
